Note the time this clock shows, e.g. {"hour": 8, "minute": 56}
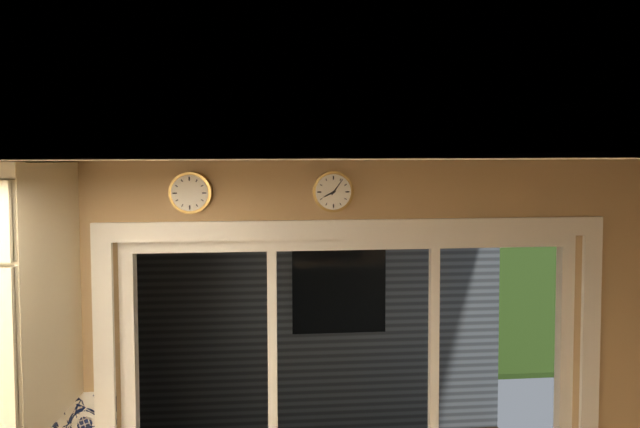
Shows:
{"hour": 8, "minute": 6}
